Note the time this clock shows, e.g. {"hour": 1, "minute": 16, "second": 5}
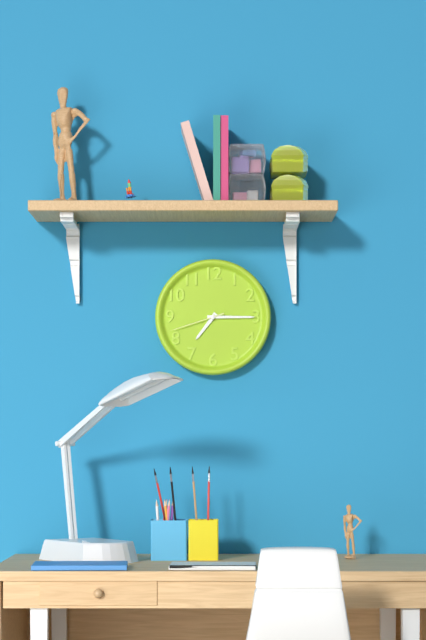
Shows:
{"hour": 7, "minute": 15, "second": 42}
